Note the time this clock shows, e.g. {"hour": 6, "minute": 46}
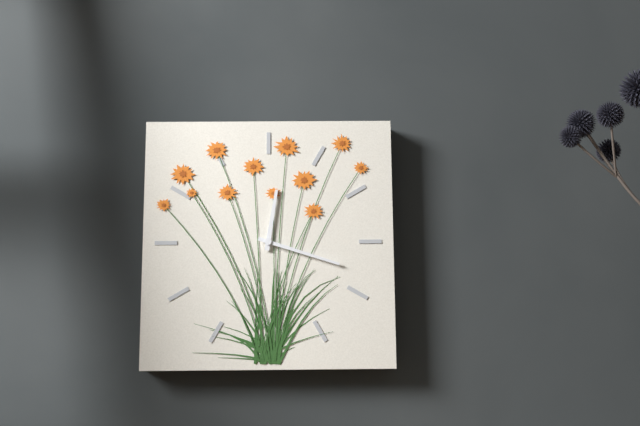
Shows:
{"hour": 12, "minute": 18}
